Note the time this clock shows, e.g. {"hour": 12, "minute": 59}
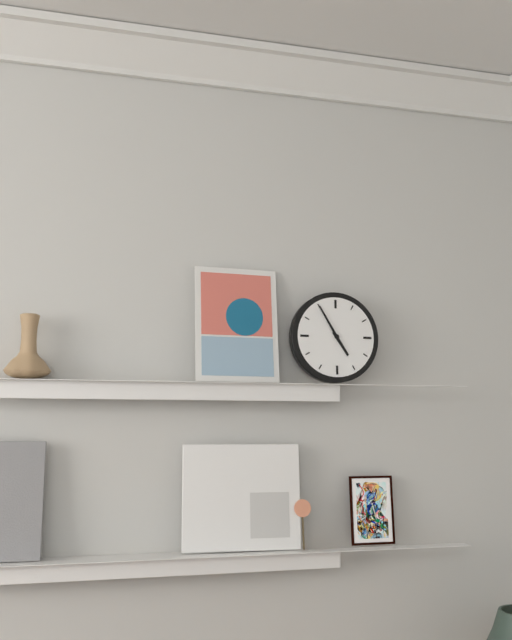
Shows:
{"hour": 4, "minute": 55}
